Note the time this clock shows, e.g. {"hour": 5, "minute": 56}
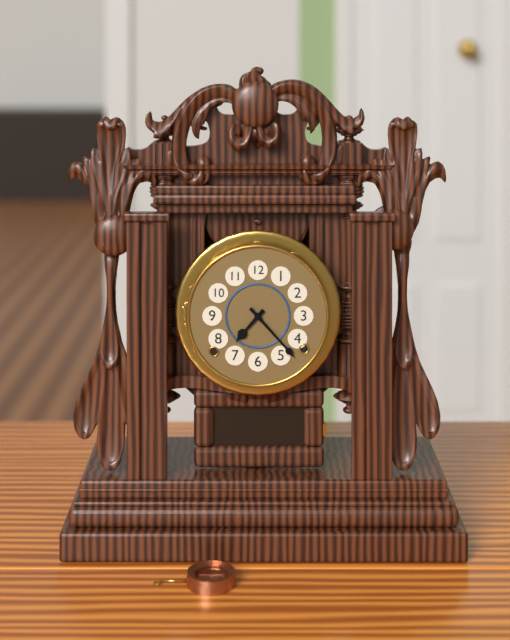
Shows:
{"hour": 7, "minute": 23}
